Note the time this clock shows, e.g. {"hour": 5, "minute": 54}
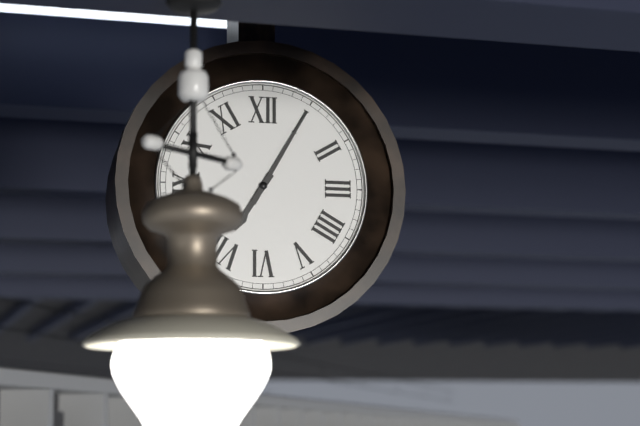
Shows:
{"hour": 7, "minute": 5}
